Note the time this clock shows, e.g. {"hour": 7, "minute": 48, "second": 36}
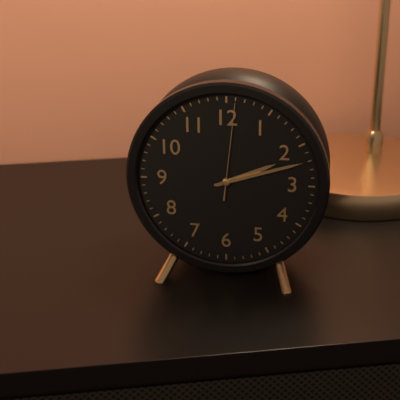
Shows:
{"hour": 2, "minute": 12, "second": 1}
